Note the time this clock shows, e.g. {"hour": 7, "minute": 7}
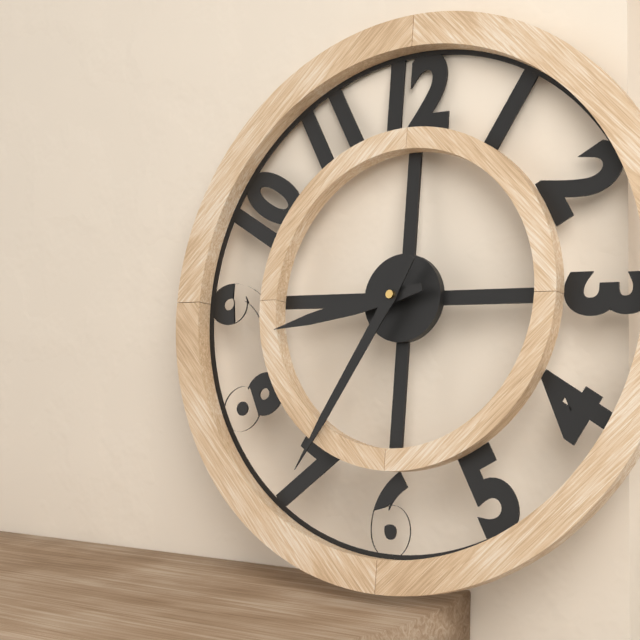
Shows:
{"hour": 8, "minute": 35}
